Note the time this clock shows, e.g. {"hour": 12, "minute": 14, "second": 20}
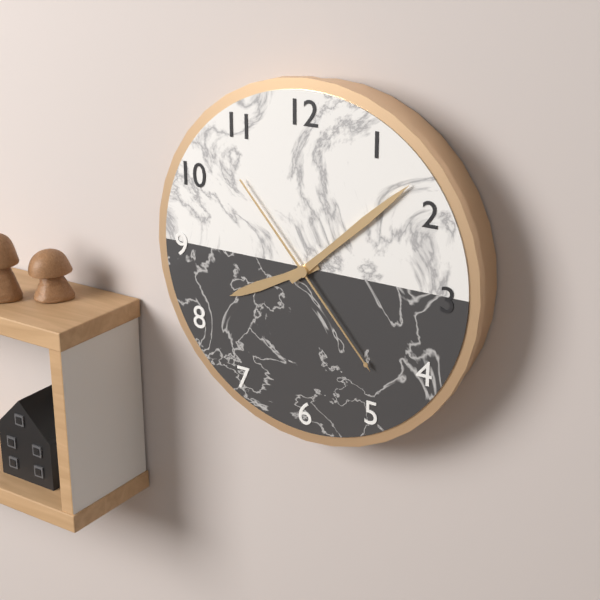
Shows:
{"hour": 8, "minute": 8, "second": 23}
